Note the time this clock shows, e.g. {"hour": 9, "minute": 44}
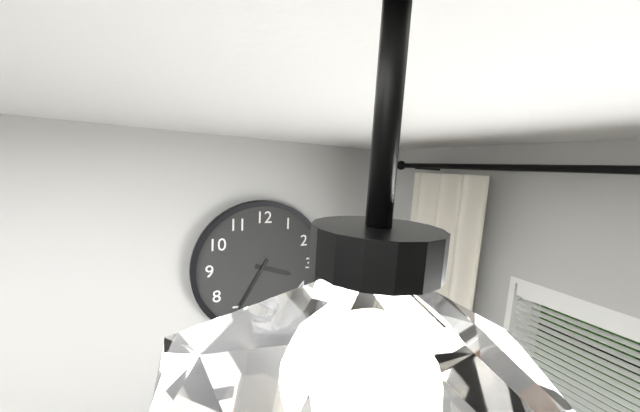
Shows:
{"hour": 3, "minute": 35}
